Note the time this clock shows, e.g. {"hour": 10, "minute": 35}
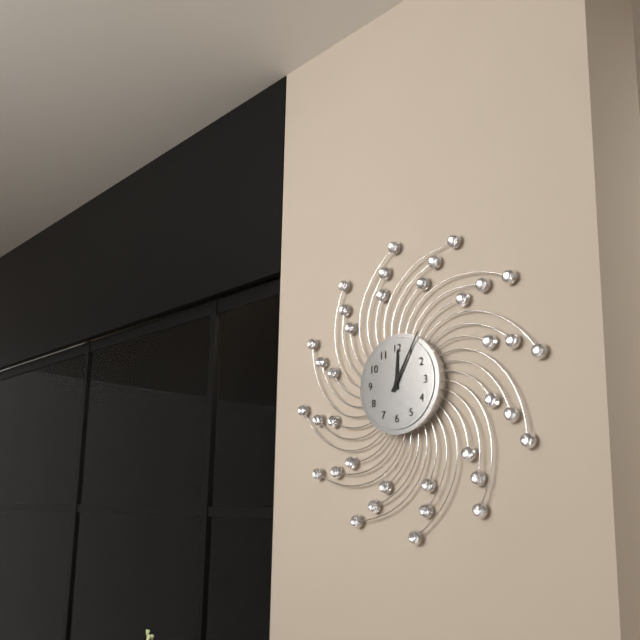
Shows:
{"hour": 12, "minute": 5}
